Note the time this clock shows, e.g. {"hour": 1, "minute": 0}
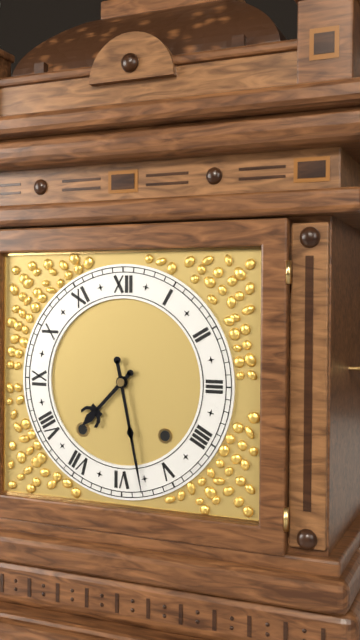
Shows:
{"hour": 7, "minute": 28}
